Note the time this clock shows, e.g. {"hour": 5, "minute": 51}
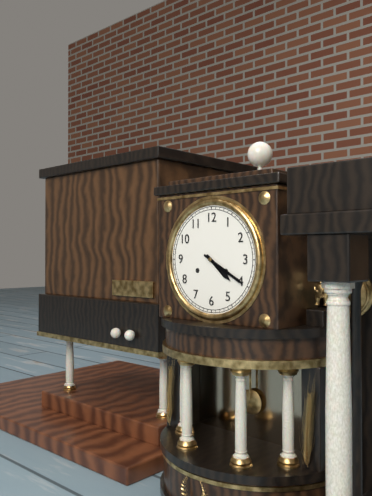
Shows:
{"hour": 4, "minute": 20}
